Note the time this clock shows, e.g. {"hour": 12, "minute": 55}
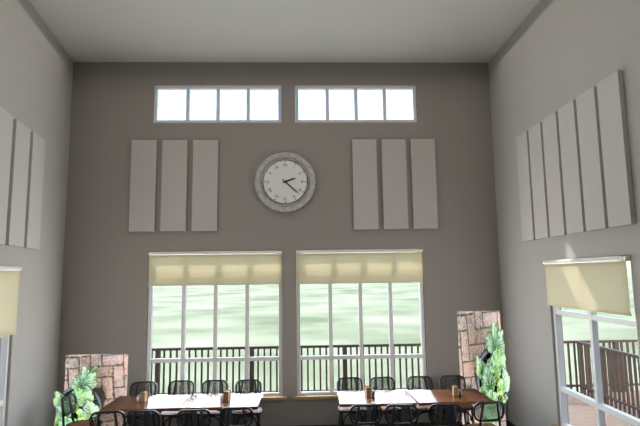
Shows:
{"hour": 2, "minute": 22}
